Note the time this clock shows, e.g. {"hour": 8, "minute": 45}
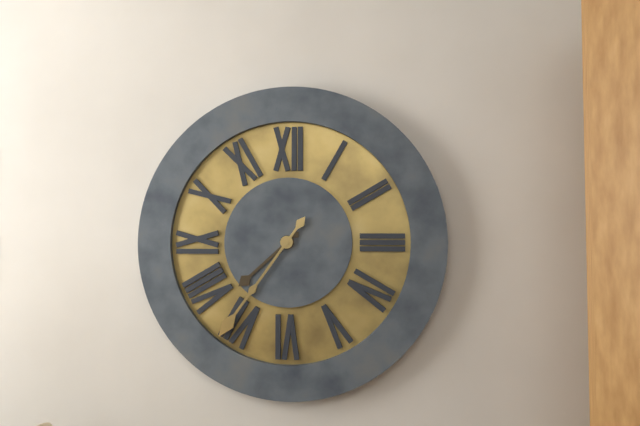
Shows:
{"hour": 7, "minute": 36}
